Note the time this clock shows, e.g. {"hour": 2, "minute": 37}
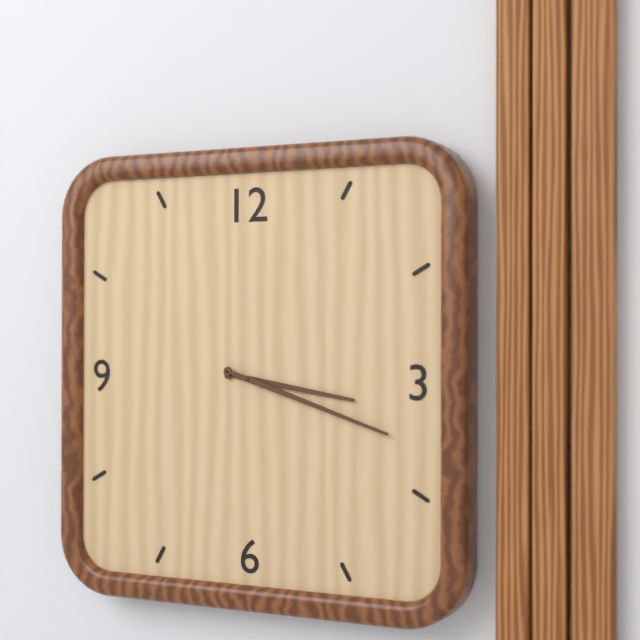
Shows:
{"hour": 3, "minute": 18}
